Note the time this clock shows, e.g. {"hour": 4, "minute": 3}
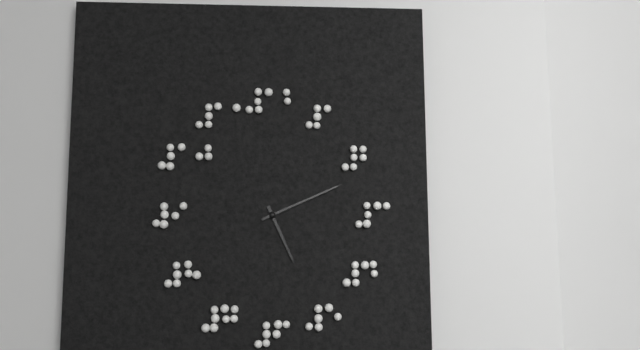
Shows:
{"hour": 5, "minute": 11}
